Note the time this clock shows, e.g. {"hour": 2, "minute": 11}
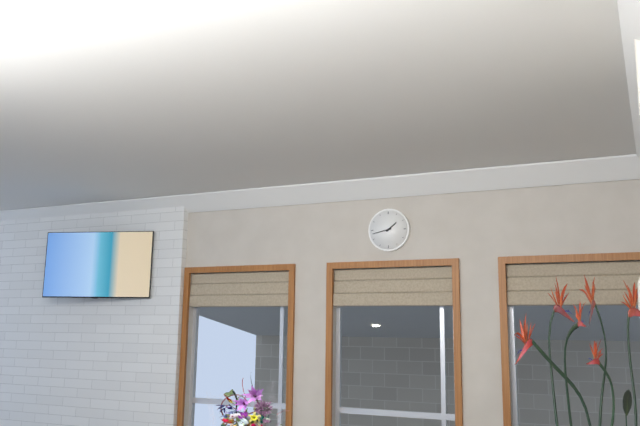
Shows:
{"hour": 1, "minute": 43}
